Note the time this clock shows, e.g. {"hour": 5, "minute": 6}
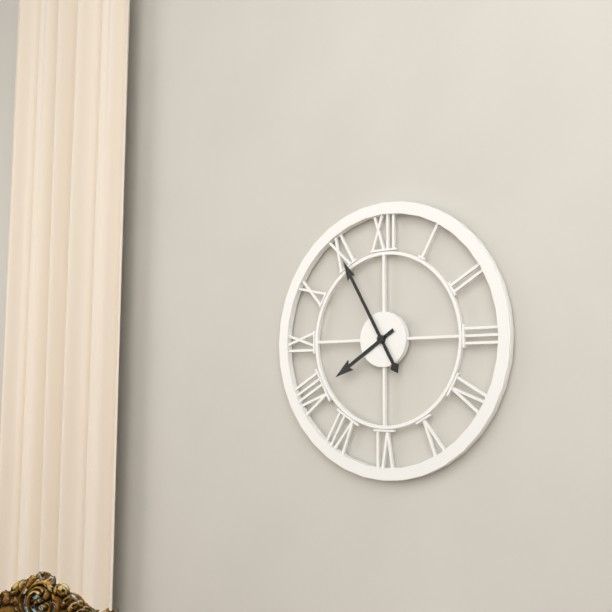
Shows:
{"hour": 7, "minute": 55}
